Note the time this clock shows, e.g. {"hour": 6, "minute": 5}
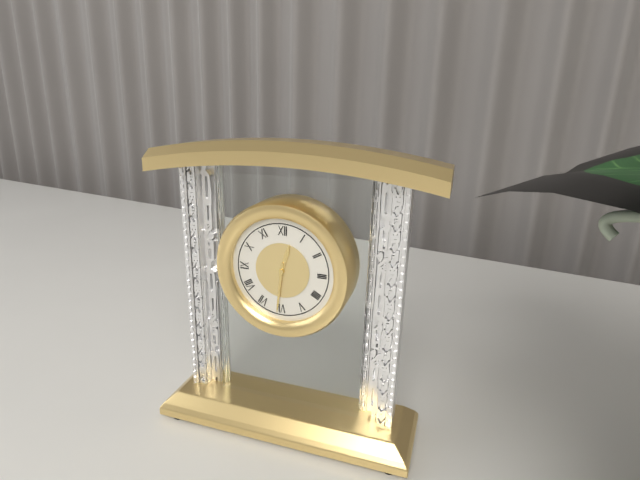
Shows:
{"hour": 12, "minute": 31}
